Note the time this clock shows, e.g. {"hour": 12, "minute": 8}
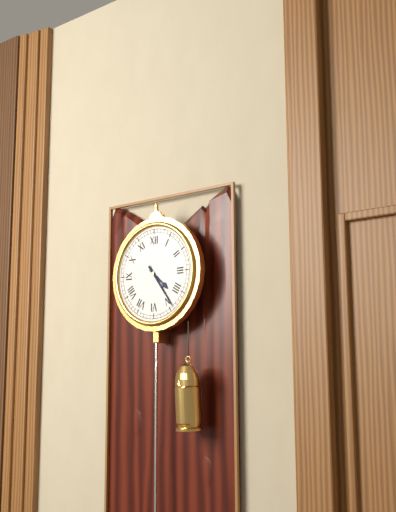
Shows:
{"hour": 4, "minute": 24}
